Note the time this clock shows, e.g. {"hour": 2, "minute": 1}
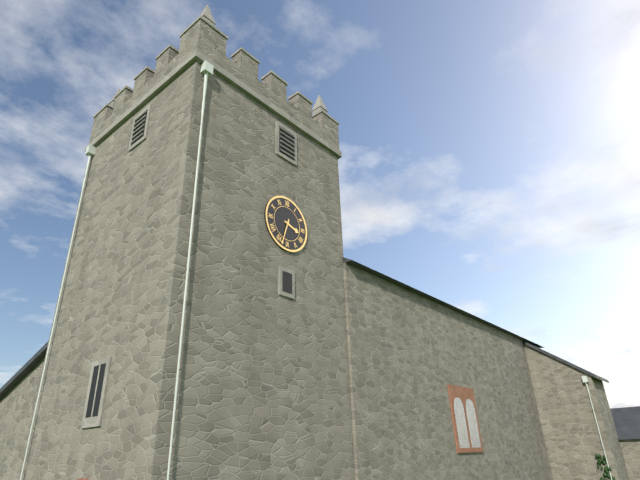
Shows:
{"hour": 3, "minute": 33}
